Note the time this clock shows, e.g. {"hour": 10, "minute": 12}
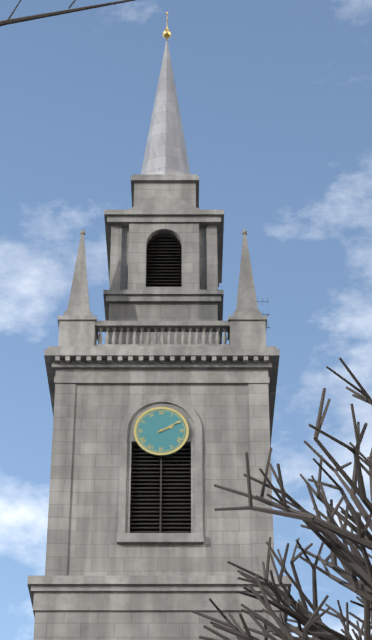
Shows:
{"hour": 2, "minute": 10}
